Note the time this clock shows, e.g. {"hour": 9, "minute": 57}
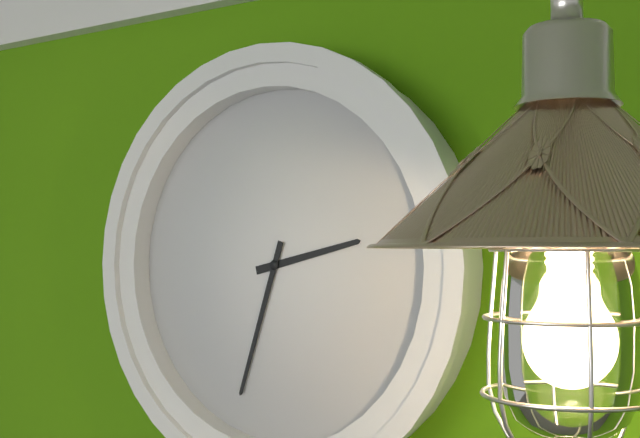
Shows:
{"hour": 2, "minute": 33}
